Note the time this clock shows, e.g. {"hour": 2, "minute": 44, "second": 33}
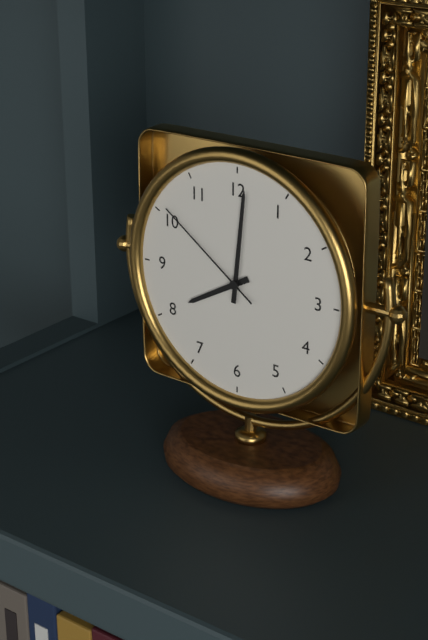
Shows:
{"hour": 8, "minute": 1, "second": 51}
